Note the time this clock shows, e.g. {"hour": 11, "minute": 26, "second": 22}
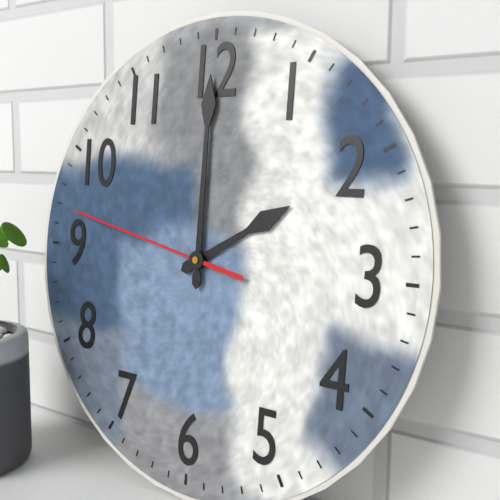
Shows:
{"hour": 2, "minute": 0, "second": 47}
